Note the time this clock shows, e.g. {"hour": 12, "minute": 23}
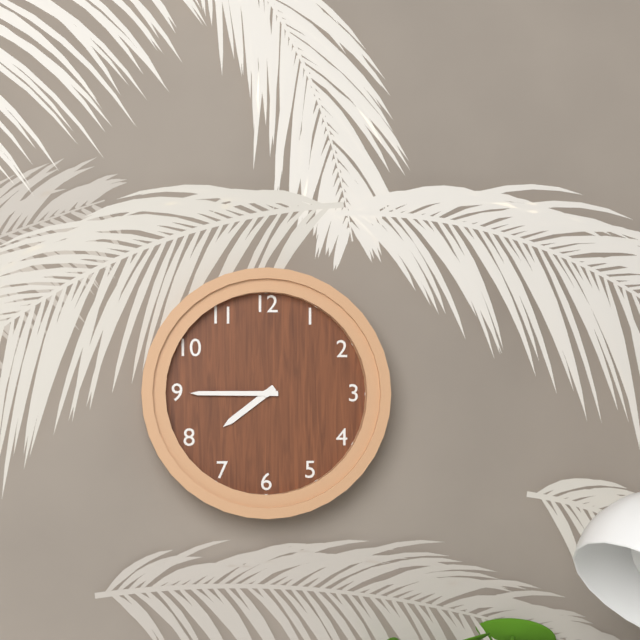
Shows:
{"hour": 7, "minute": 45}
